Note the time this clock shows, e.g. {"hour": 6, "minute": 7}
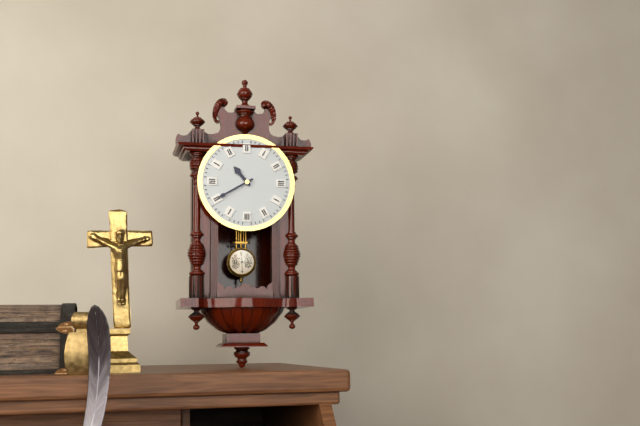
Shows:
{"hour": 10, "minute": 40}
